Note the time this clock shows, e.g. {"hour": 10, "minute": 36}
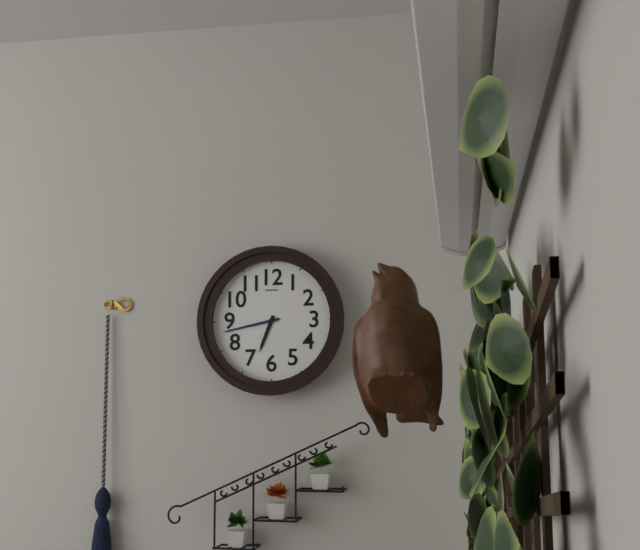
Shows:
{"hour": 6, "minute": 43}
